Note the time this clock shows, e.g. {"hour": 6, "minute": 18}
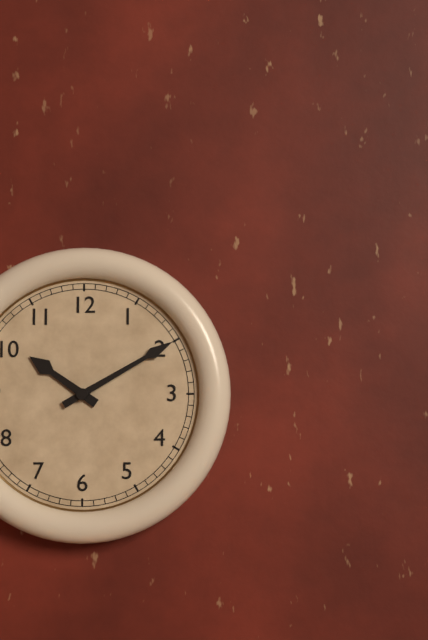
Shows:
{"hour": 10, "minute": 10}
